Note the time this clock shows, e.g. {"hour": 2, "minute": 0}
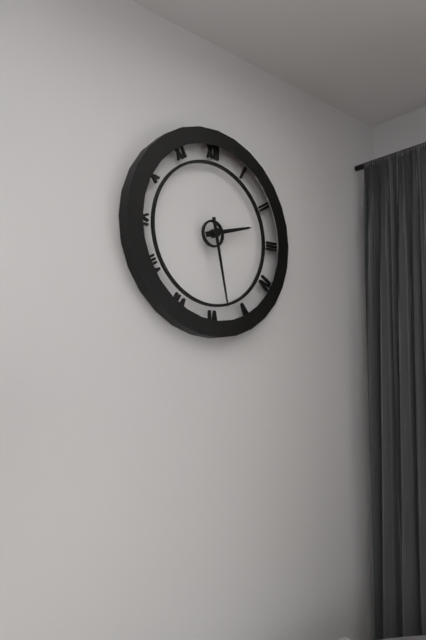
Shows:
{"hour": 2, "minute": 28}
